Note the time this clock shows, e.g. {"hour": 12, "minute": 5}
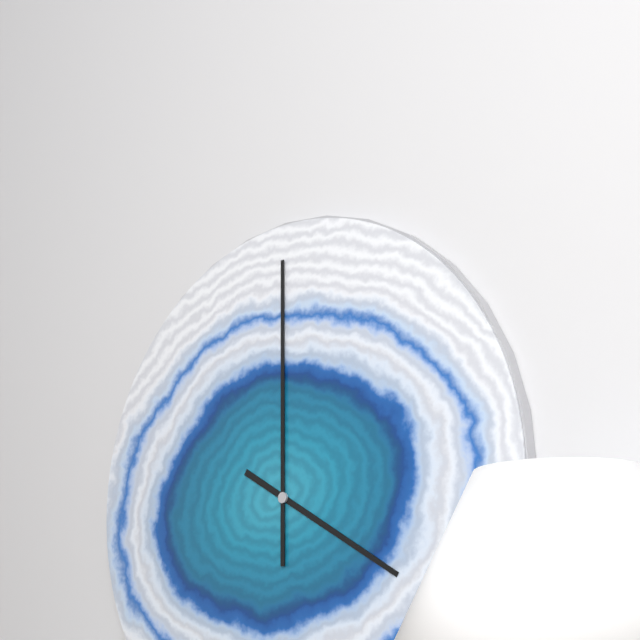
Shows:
{"hour": 4, "minute": 0}
